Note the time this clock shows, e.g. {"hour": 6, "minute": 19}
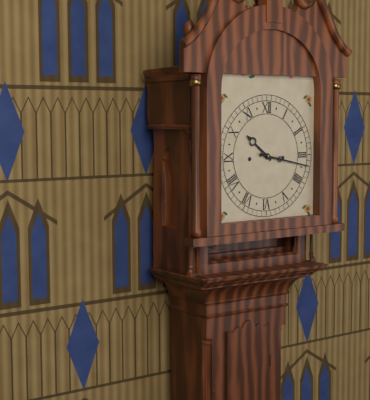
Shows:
{"hour": 10, "minute": 17}
